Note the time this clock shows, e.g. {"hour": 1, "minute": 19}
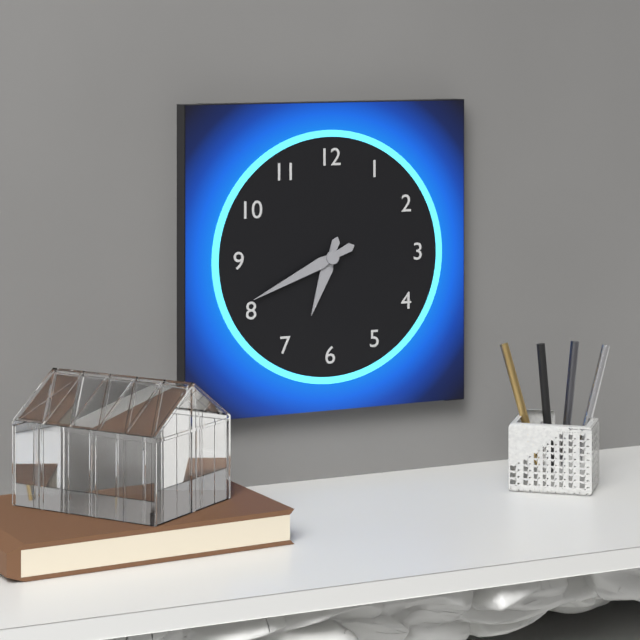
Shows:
{"hour": 6, "minute": 41}
